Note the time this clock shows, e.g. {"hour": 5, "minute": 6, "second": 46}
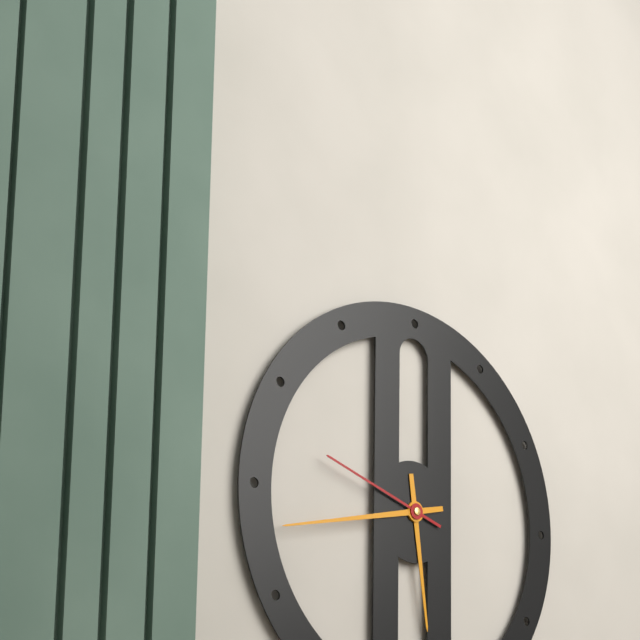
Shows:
{"hour": 5, "minute": 43, "second": 48}
